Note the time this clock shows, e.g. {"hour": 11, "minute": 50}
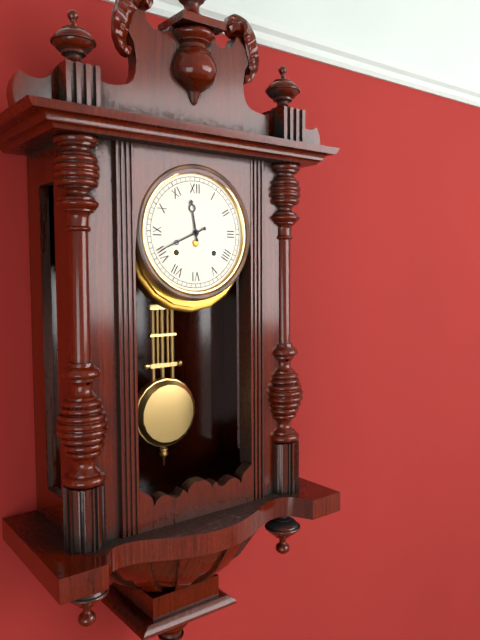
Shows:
{"hour": 11, "minute": 41}
